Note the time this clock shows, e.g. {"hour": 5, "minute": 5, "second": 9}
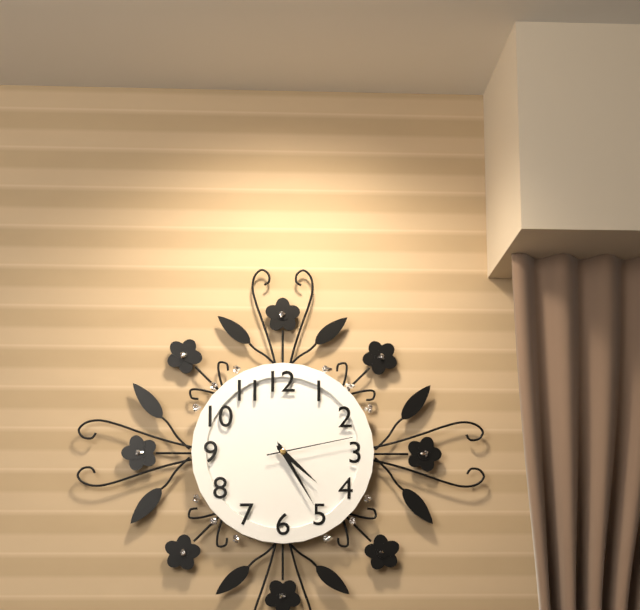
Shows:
{"hour": 4, "minute": 25, "second": 13}
